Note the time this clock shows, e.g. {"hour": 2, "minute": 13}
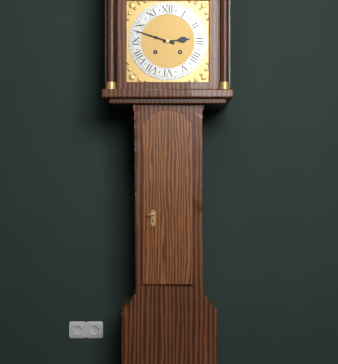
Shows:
{"hour": 2, "minute": 48}
